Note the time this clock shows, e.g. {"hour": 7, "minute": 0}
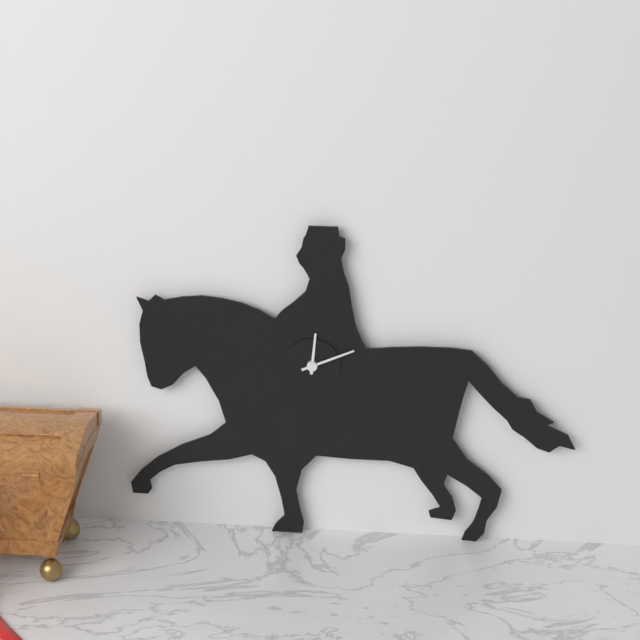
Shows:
{"hour": 12, "minute": 11}
